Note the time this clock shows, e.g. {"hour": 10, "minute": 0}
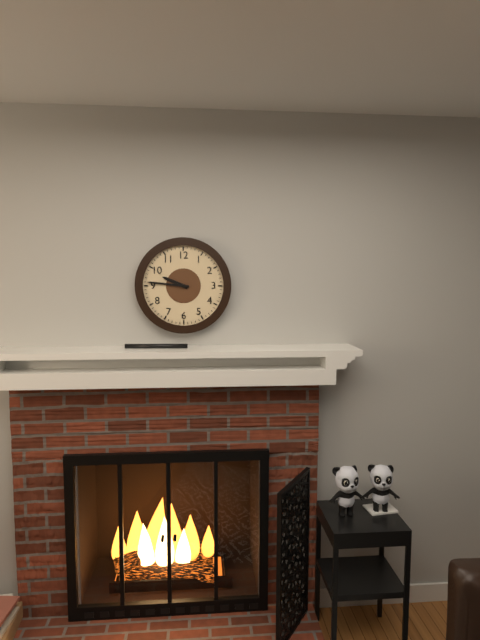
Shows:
{"hour": 9, "minute": 46}
